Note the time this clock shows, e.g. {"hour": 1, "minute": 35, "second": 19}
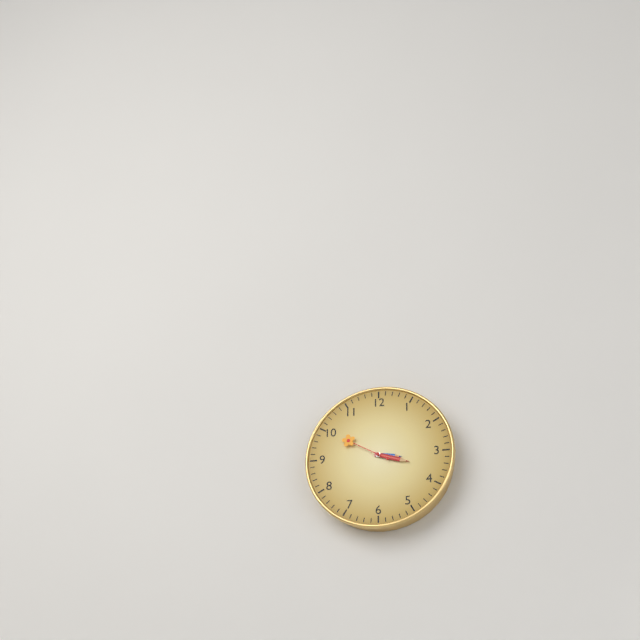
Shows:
{"hour": 3, "minute": 18, "second": 50}
